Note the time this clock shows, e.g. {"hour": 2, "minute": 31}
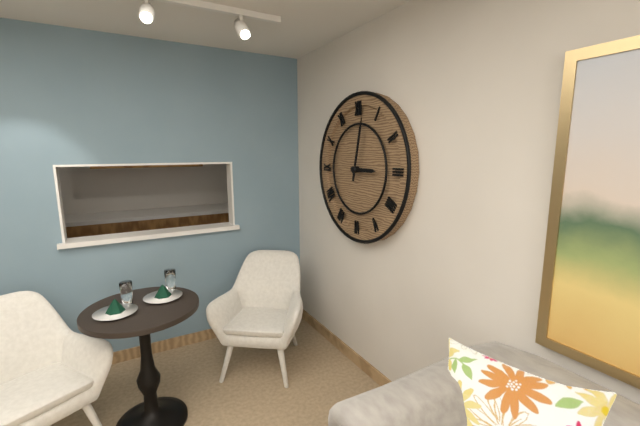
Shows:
{"hour": 3, "minute": 2}
